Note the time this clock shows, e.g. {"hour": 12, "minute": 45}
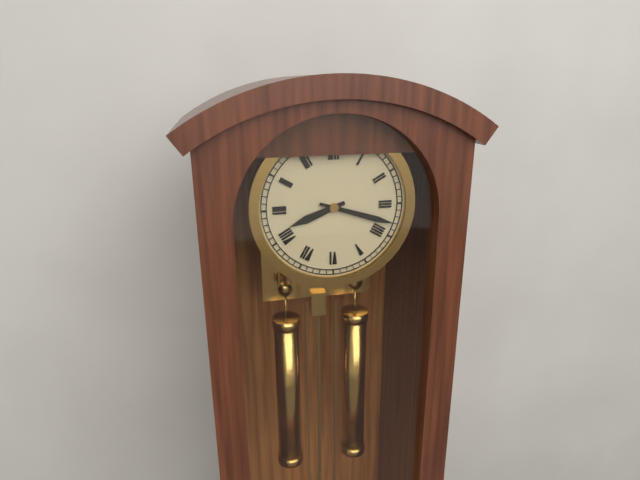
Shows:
{"hour": 8, "minute": 18}
